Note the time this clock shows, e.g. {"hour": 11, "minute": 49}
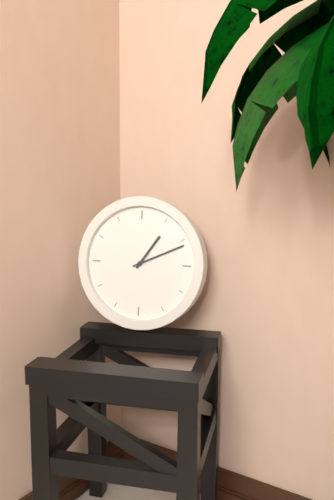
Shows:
{"hour": 1, "minute": 11}
